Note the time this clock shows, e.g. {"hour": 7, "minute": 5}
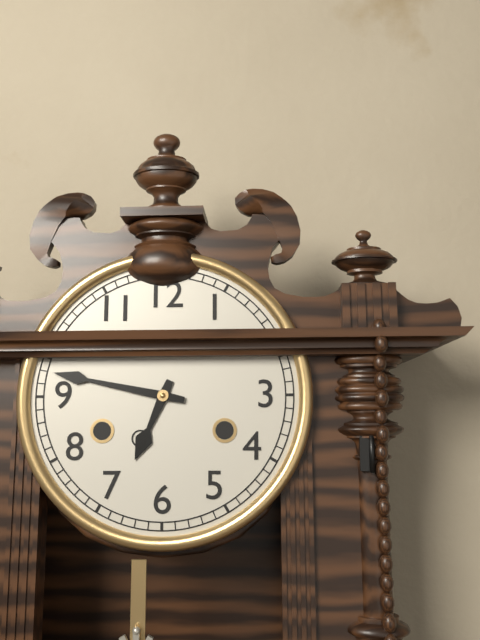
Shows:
{"hour": 6, "minute": 47}
